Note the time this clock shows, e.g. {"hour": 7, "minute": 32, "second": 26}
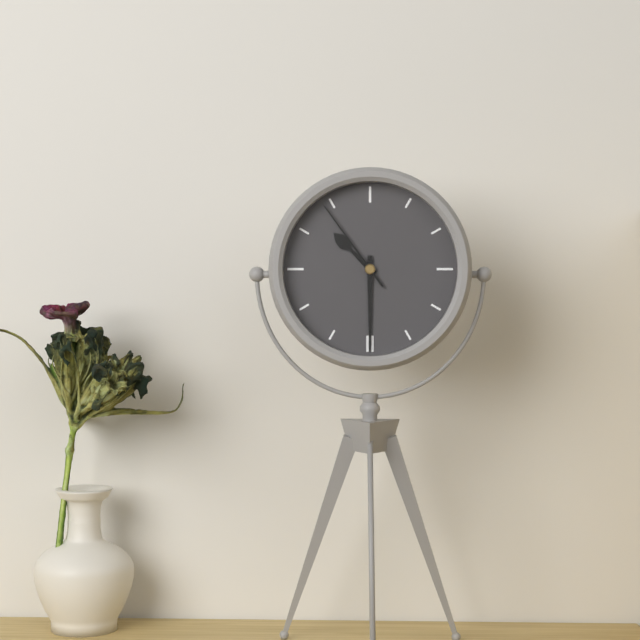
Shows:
{"hour": 10, "minute": 30, "second": 54}
